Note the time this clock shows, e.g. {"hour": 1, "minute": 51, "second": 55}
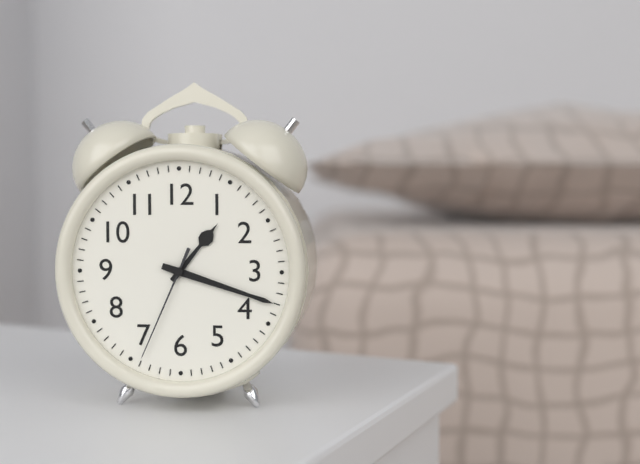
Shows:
{"hour": 1, "minute": 18, "second": 34}
